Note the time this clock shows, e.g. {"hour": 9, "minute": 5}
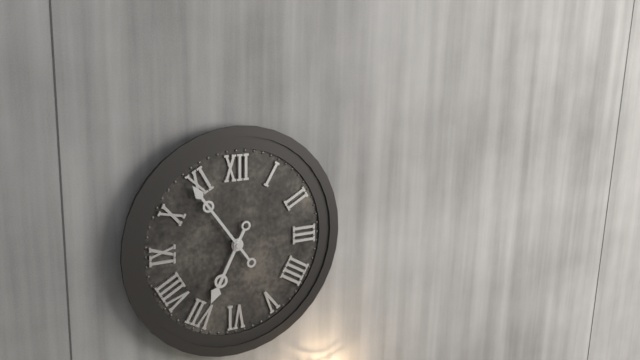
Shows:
{"hour": 6, "minute": 54}
